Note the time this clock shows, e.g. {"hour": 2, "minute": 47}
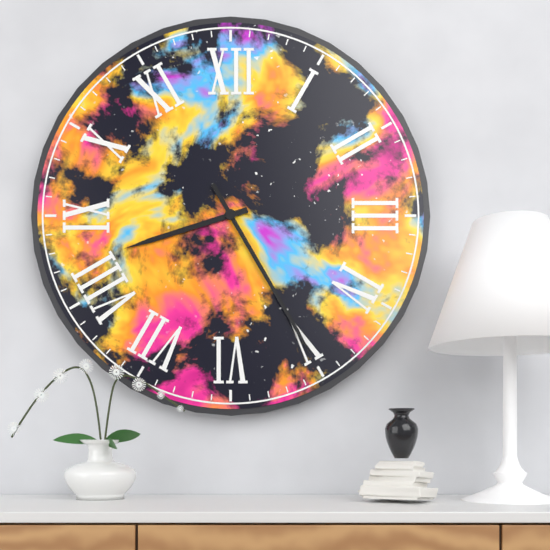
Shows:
{"hour": 8, "minute": 25}
